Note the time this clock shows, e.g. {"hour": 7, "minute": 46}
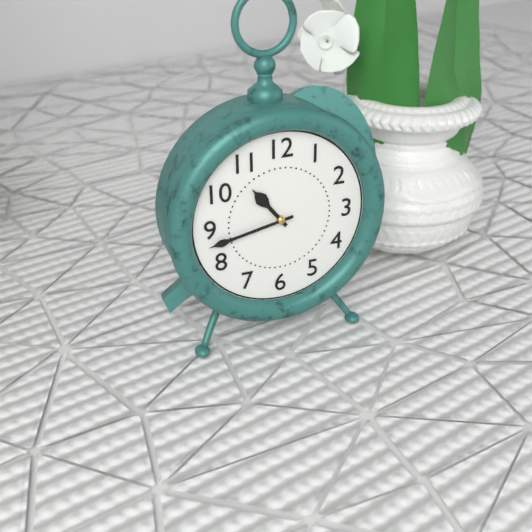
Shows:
{"hour": 10, "minute": 43}
